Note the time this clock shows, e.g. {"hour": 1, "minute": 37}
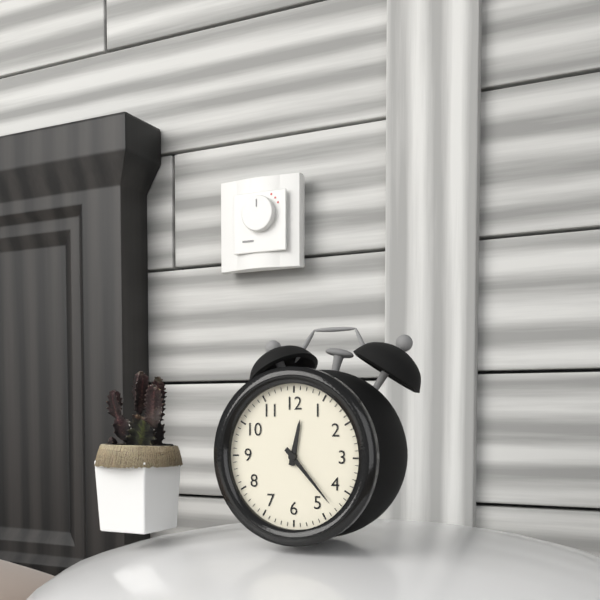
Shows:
{"hour": 12, "minute": 23}
